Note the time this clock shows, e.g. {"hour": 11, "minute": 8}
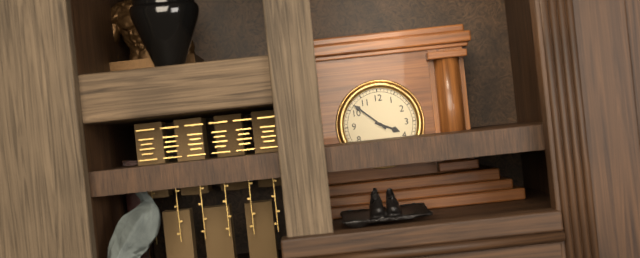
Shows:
{"hour": 3, "minute": 52}
